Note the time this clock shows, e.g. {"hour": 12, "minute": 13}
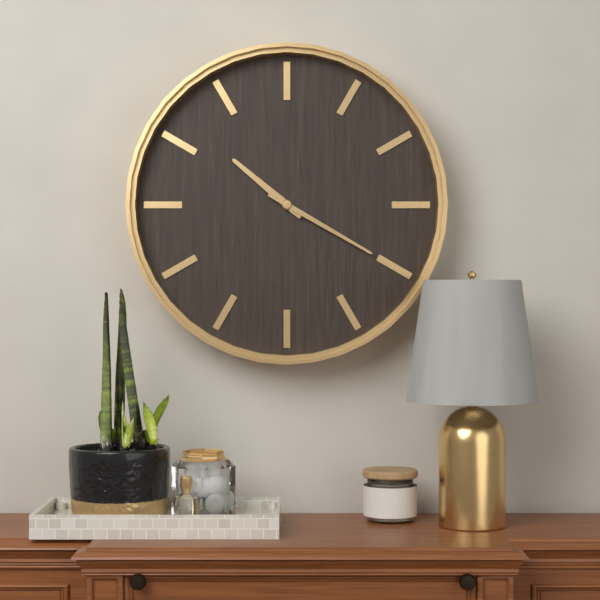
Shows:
{"hour": 10, "minute": 20}
